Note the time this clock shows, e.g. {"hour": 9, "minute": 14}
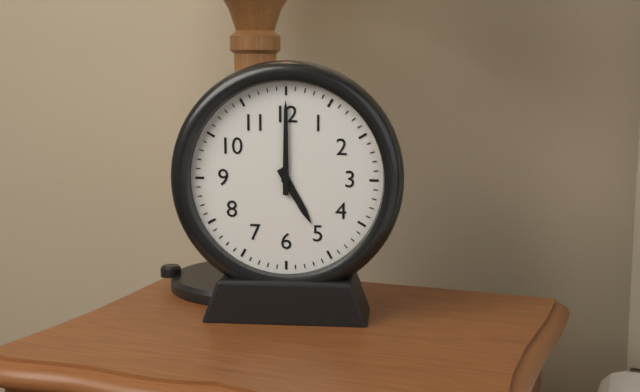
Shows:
{"hour": 5, "minute": 0}
